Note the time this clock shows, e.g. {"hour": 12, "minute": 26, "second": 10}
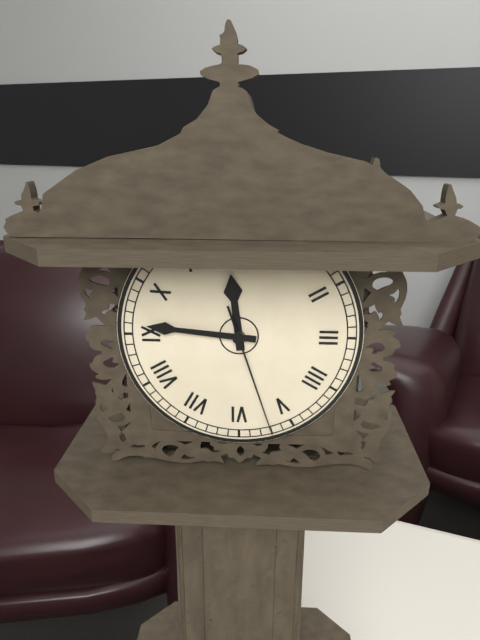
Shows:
{"hour": 11, "minute": 46, "second": 27}
